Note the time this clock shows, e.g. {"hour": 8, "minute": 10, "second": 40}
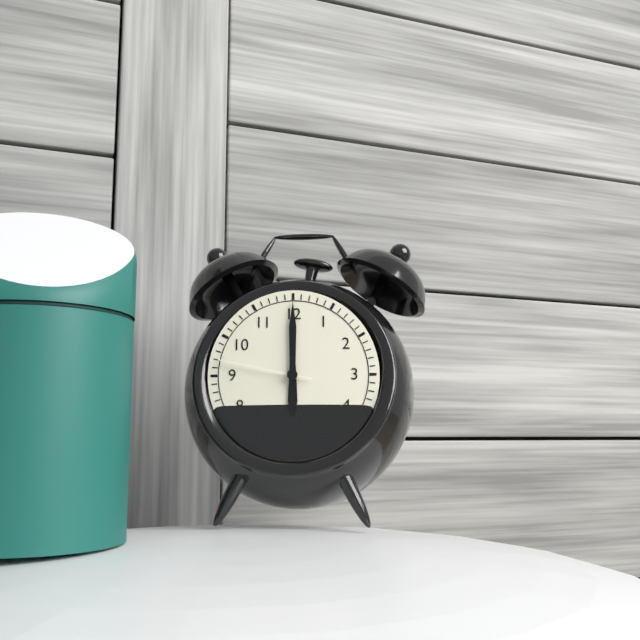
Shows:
{"hour": 6, "minute": 0, "second": 47}
